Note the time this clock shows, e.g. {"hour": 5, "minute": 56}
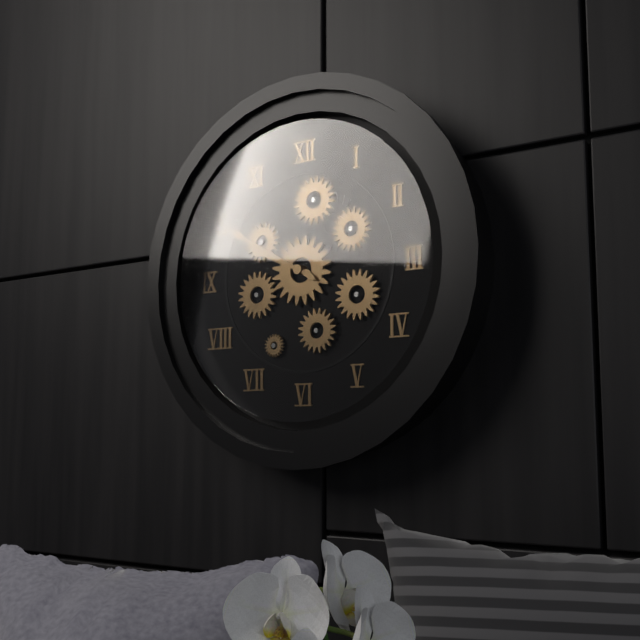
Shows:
{"hour": 9, "minute": 50}
